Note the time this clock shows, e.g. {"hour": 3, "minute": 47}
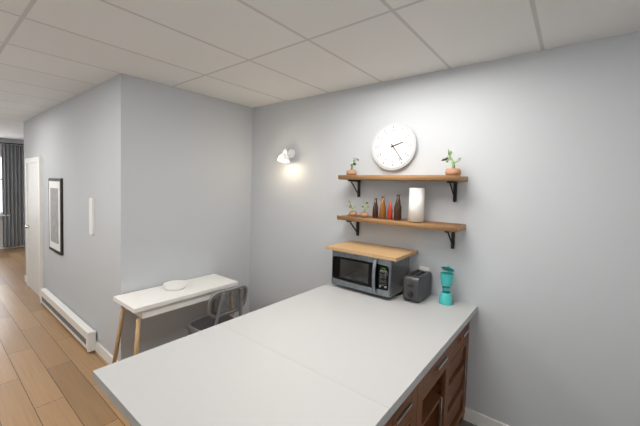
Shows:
{"hour": 2, "minute": 24}
